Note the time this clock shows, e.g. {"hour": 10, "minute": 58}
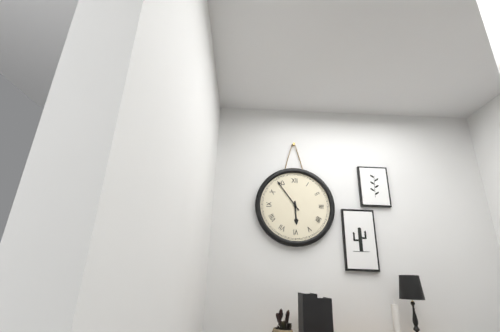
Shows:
{"hour": 5, "minute": 54}
